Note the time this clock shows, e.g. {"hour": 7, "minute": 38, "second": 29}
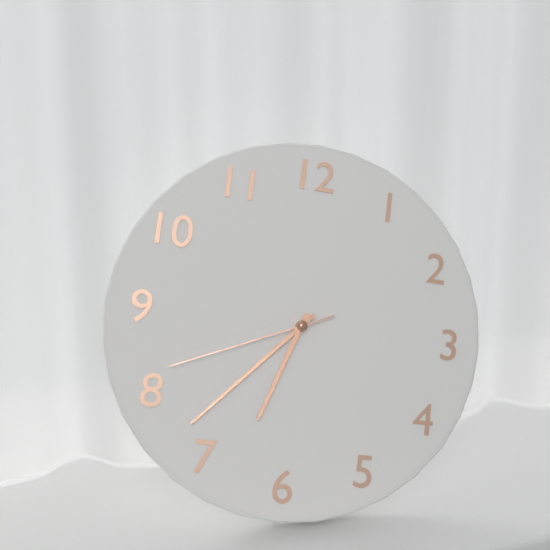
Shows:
{"hour": 6, "minute": 37, "second": 41}
